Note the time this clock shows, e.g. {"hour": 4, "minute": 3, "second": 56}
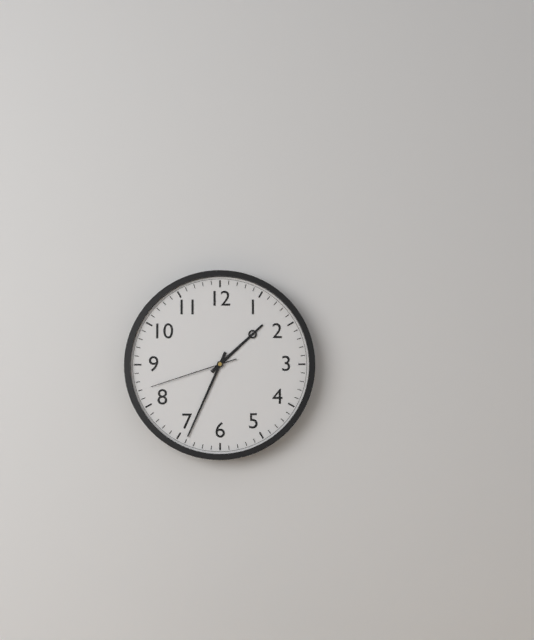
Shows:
{"hour": 1, "minute": 34, "second": 42}
